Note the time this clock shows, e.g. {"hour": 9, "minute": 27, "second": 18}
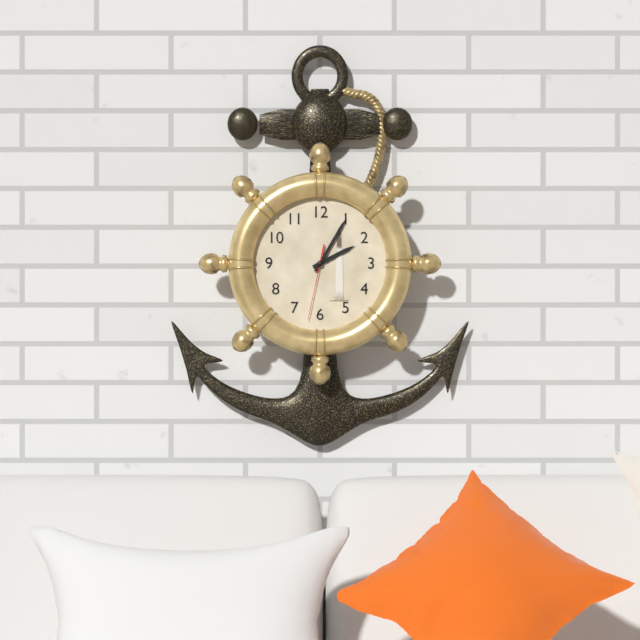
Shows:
{"hour": 2, "minute": 5, "second": 32}
